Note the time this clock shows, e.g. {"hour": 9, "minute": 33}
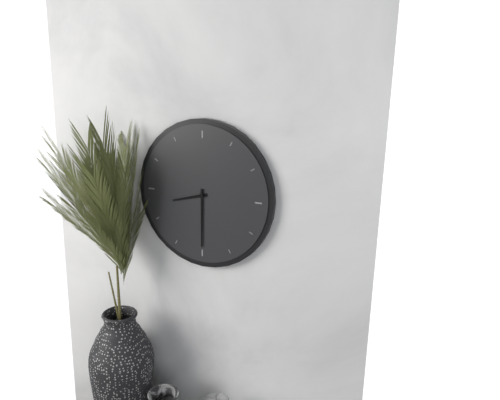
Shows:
{"hour": 8, "minute": 30}
